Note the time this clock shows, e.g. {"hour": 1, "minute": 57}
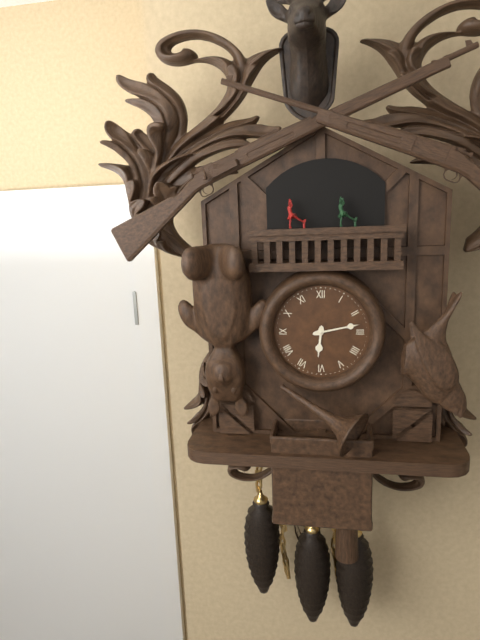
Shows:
{"hour": 6, "minute": 13}
